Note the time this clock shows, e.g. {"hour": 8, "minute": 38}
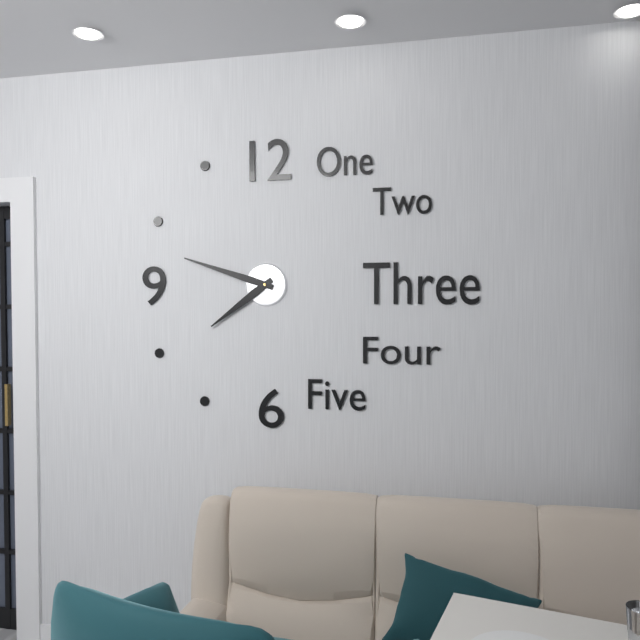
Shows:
{"hour": 7, "minute": 48}
